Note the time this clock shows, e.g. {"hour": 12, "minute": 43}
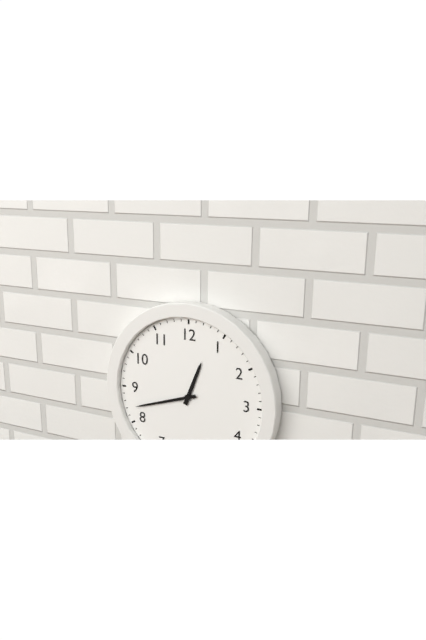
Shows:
{"hour": 12, "minute": 42}
